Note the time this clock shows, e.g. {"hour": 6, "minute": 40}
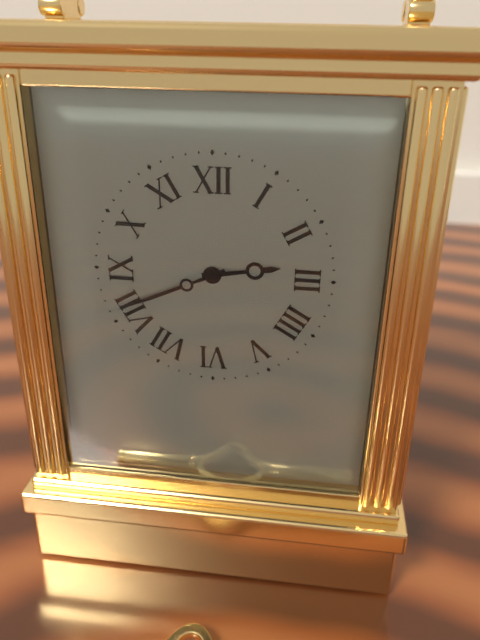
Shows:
{"hour": 2, "minute": 41}
